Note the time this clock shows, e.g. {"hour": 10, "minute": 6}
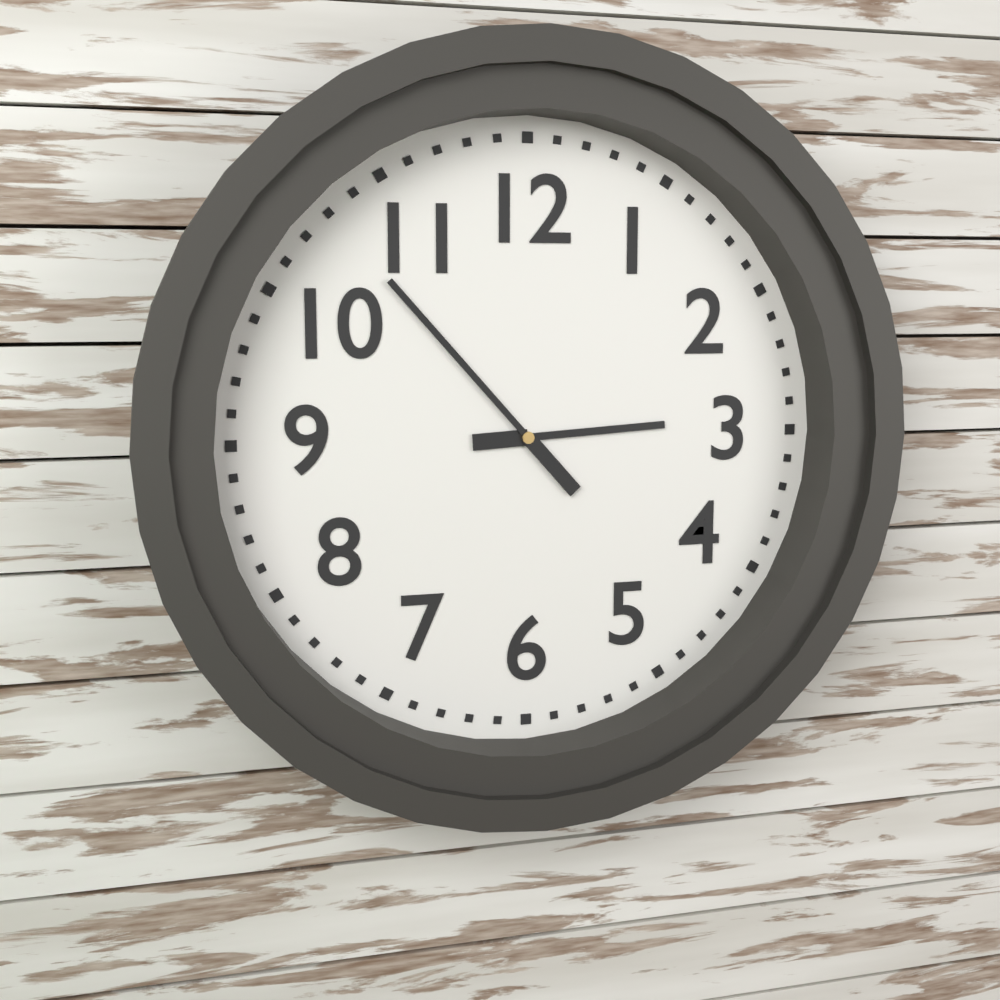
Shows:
{"hour": 2, "minute": 53}
